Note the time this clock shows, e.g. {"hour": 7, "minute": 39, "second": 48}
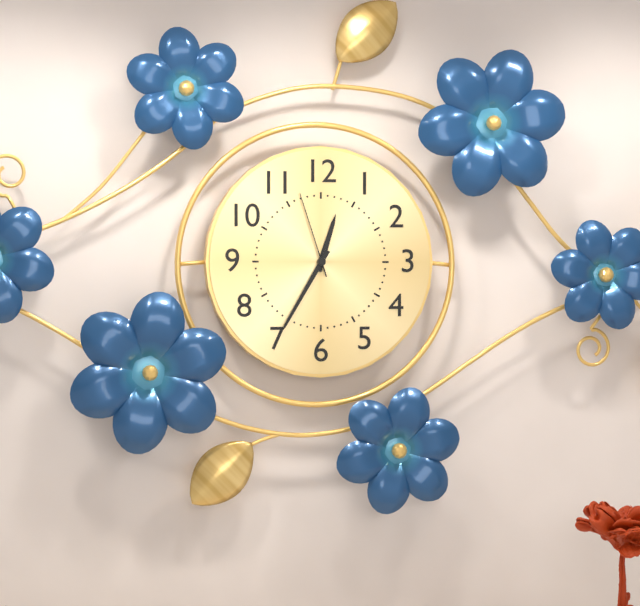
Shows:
{"hour": 12, "minute": 35, "second": 57}
